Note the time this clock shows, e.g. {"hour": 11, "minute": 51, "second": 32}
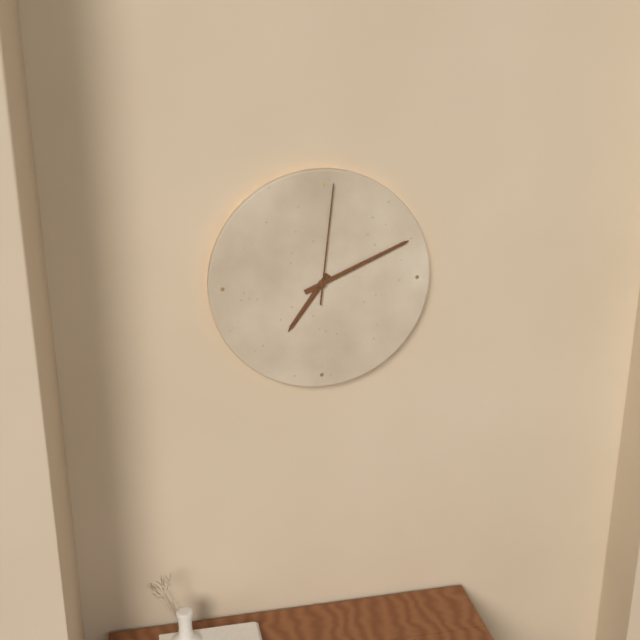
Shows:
{"hour": 7, "minute": 11, "second": 1}
